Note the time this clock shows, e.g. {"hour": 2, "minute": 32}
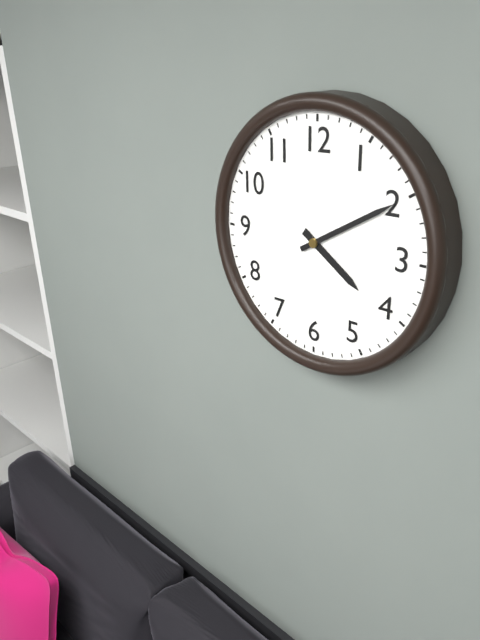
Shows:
{"hour": 4, "minute": 10}
